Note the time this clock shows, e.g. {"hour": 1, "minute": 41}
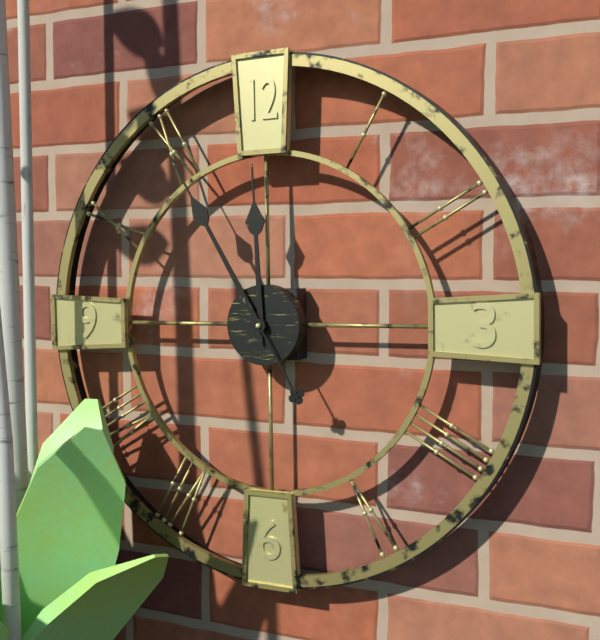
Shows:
{"hour": 11, "minute": 55}
